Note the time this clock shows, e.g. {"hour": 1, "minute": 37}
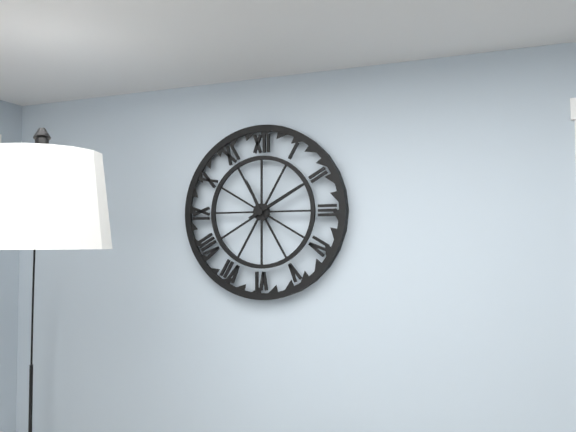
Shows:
{"hour": 11, "minute": 10}
